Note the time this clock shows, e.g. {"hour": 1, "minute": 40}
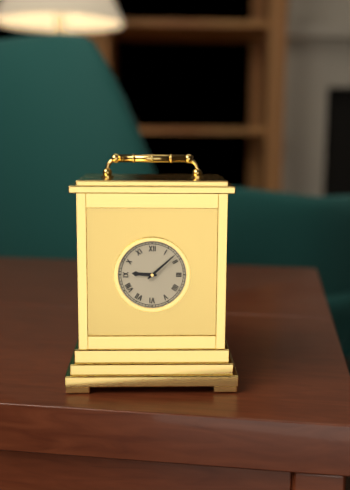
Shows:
{"hour": 9, "minute": 8}
